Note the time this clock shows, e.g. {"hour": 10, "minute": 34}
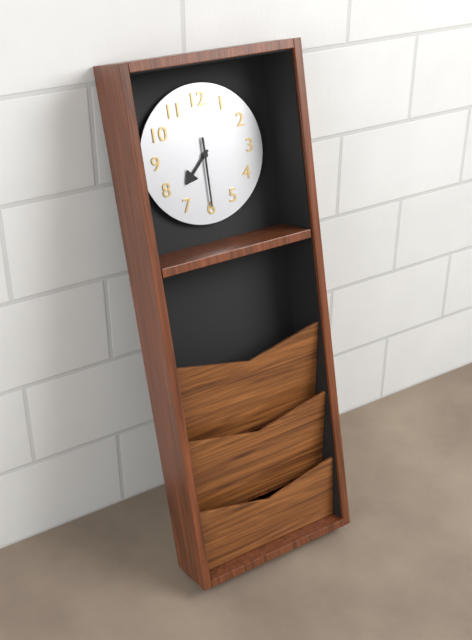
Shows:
{"hour": 7, "minute": 30}
